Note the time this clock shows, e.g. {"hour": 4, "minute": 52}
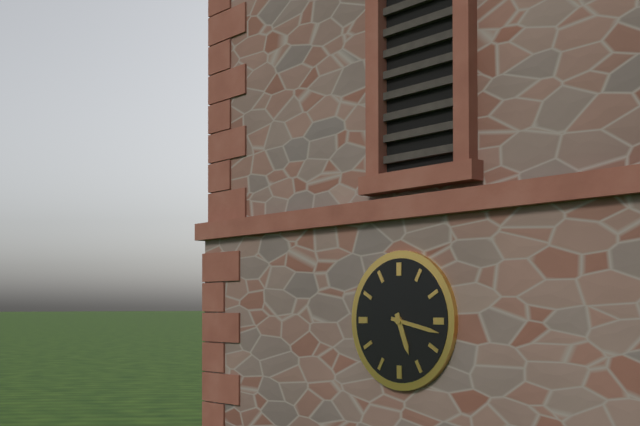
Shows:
{"hour": 5, "minute": 17}
